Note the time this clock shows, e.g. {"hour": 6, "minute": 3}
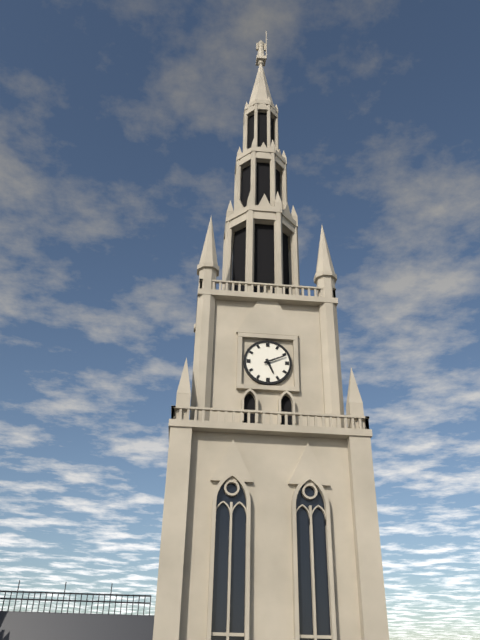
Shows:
{"hour": 5, "minute": 11}
